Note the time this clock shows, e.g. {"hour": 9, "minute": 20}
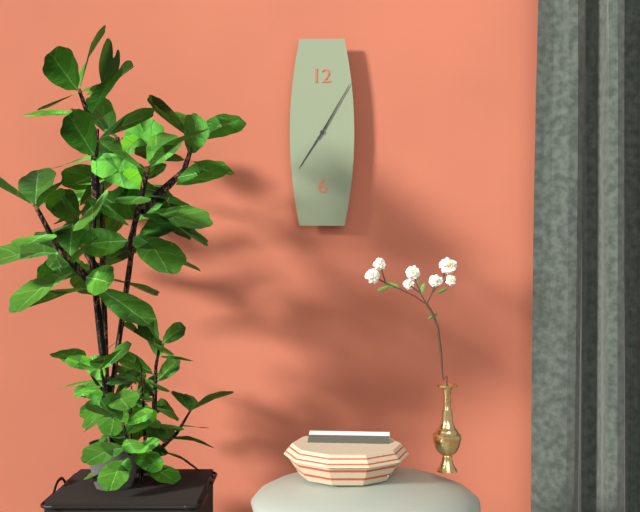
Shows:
{"hour": 7, "minute": 5}
